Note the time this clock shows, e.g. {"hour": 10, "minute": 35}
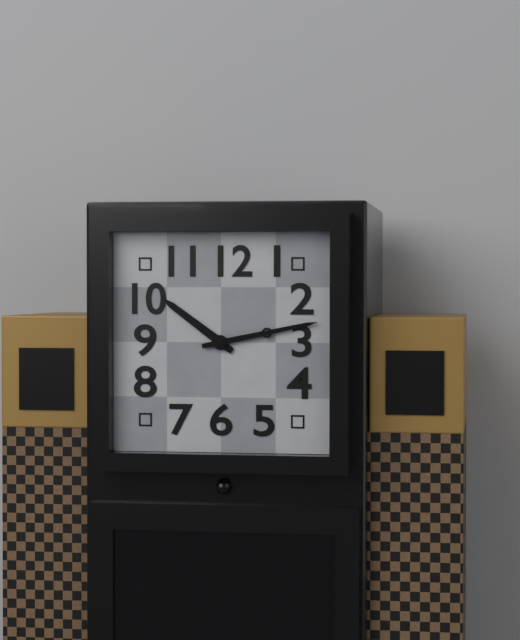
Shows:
{"hour": 10, "minute": 13}
